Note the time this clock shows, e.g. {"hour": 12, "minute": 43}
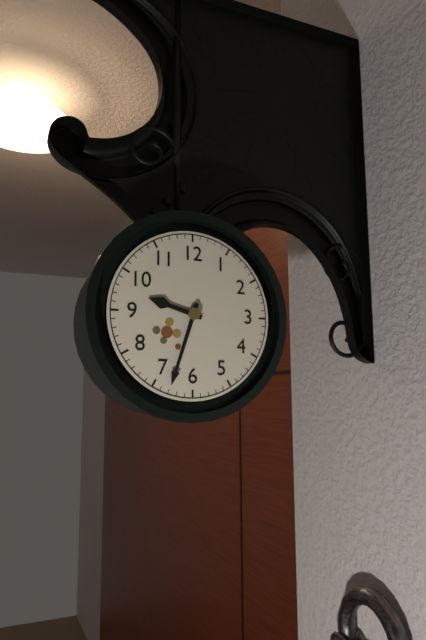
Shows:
{"hour": 9, "minute": 33}
